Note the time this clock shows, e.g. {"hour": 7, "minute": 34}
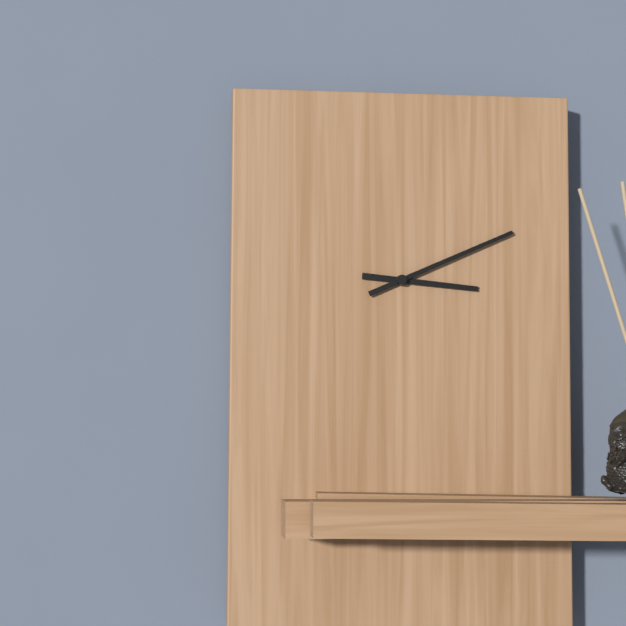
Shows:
{"hour": 3, "minute": 11}
